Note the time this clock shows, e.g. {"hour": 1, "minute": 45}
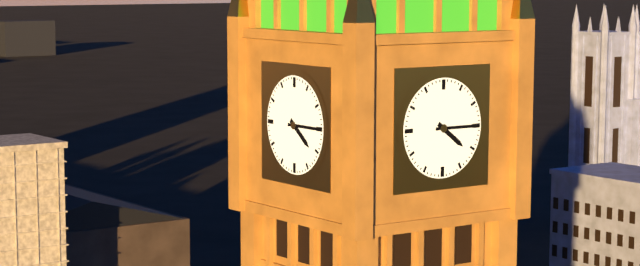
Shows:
{"hour": 4, "minute": 15}
